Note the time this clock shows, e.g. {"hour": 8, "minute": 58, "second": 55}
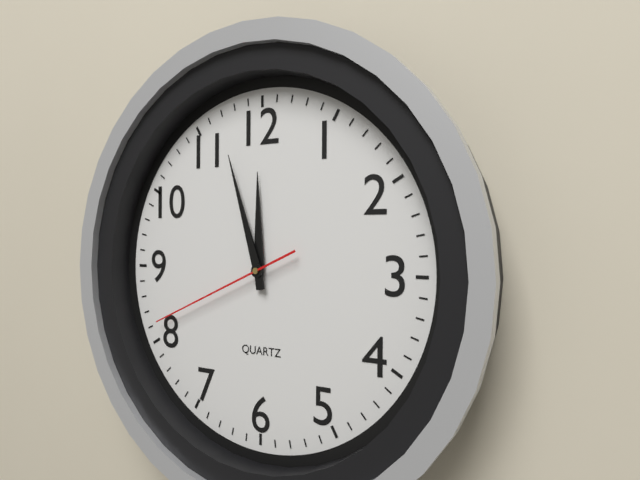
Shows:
{"hour": 11, "minute": 57, "second": 41}
